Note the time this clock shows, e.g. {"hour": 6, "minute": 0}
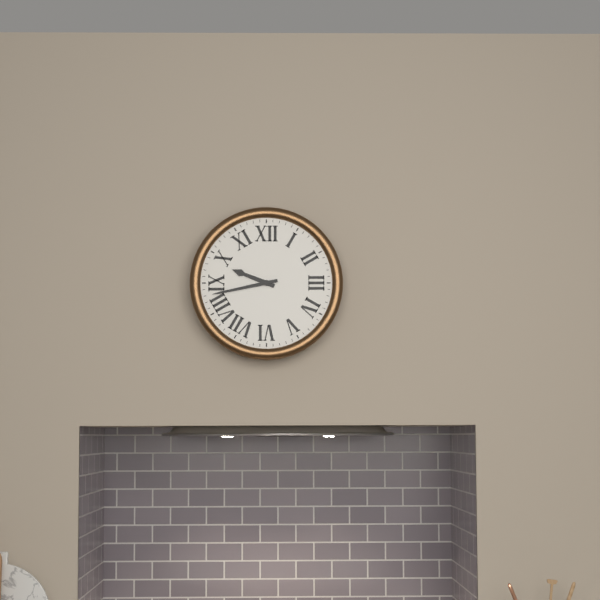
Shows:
{"hour": 9, "minute": 43}
